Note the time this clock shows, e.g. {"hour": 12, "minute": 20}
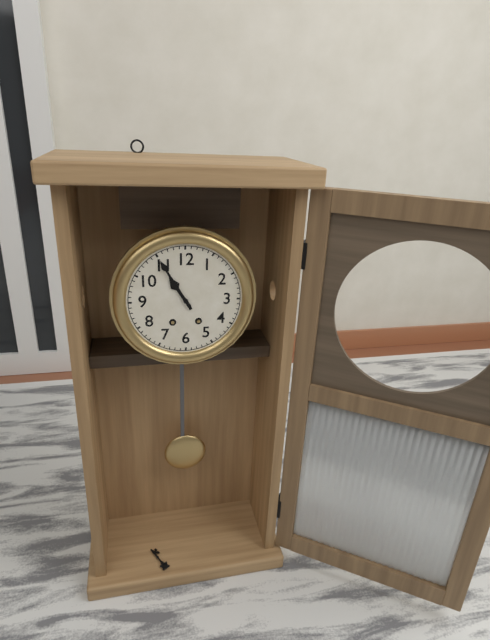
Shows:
{"hour": 10, "minute": 55}
